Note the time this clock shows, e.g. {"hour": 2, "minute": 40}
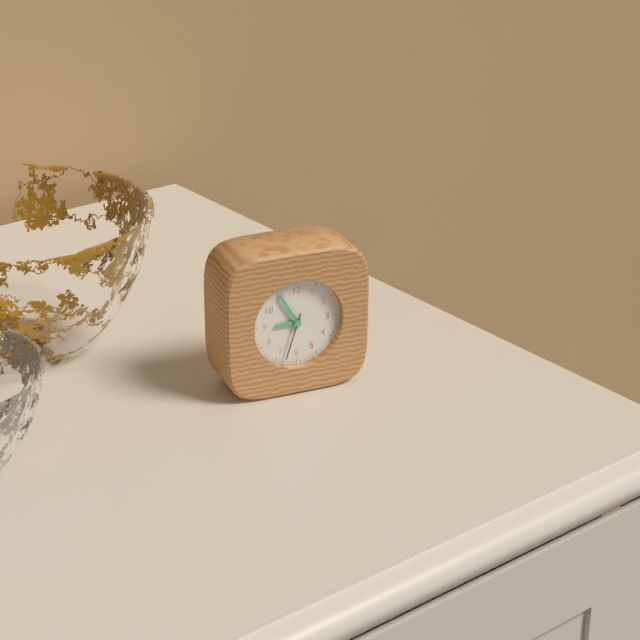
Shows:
{"hour": 8, "minute": 55}
